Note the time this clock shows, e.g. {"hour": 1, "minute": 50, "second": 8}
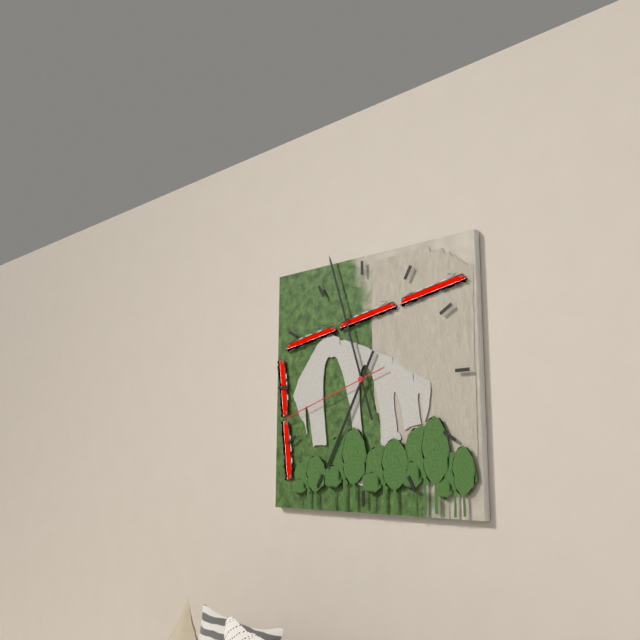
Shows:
{"hour": 6, "minute": 57, "second": 42}
